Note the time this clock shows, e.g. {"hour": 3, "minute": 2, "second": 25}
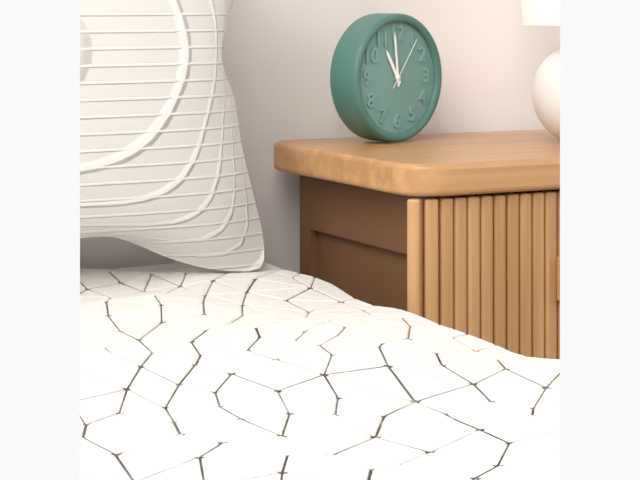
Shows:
{"hour": 10, "minute": 59, "second": 6}
